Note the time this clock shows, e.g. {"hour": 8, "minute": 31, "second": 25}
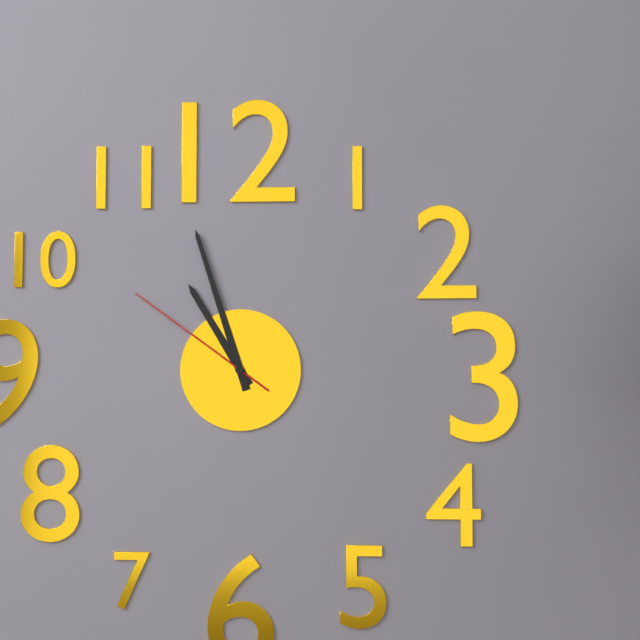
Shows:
{"hour": 10, "minute": 57, "second": 51}
